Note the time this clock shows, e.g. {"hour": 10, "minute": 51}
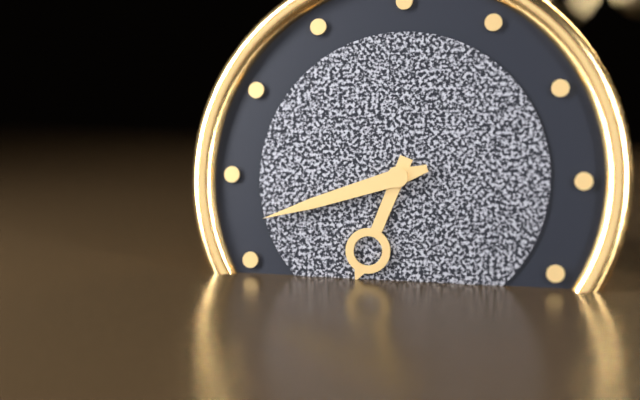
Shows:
{"hour": 6, "minute": 42}
